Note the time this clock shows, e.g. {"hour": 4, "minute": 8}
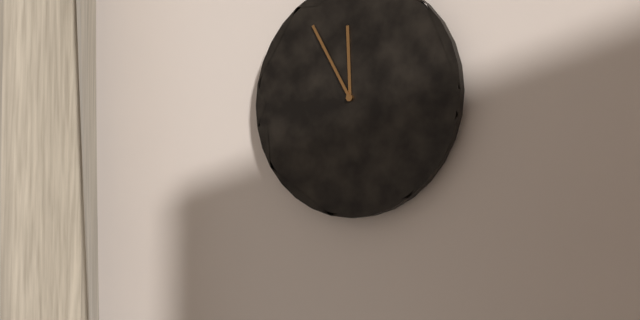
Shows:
{"hour": 11, "minute": 55}
